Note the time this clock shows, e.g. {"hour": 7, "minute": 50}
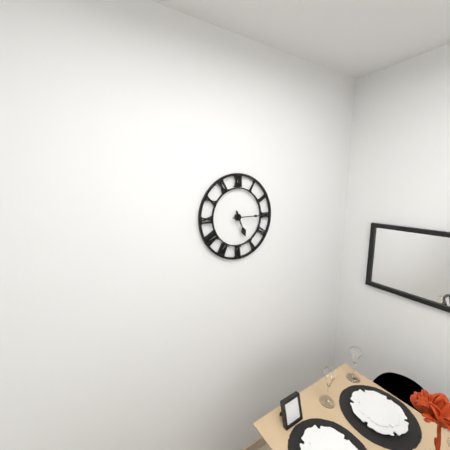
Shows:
{"hour": 5, "minute": 15}
